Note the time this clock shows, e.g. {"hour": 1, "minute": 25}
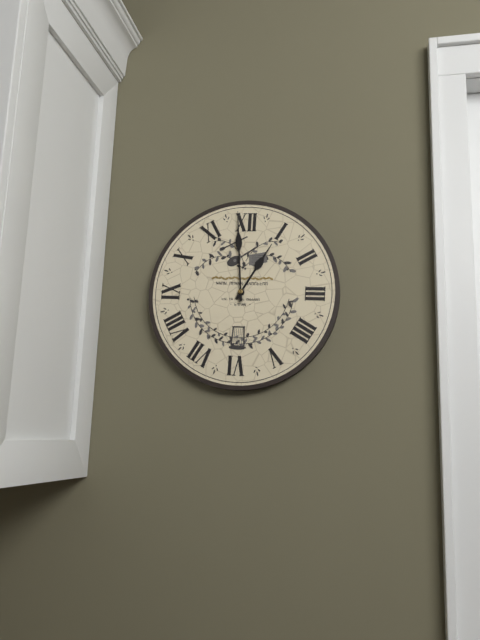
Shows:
{"hour": 12, "minute": 59}
